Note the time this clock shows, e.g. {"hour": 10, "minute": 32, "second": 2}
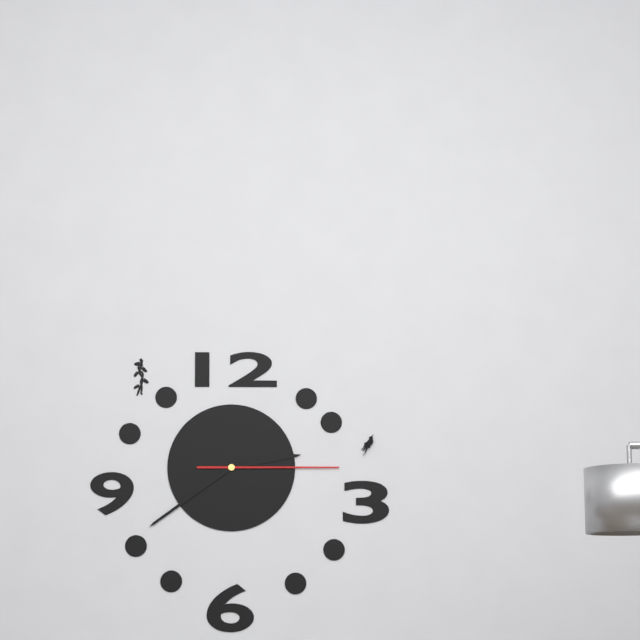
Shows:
{"hour": 2, "minute": 39, "second": 15}
